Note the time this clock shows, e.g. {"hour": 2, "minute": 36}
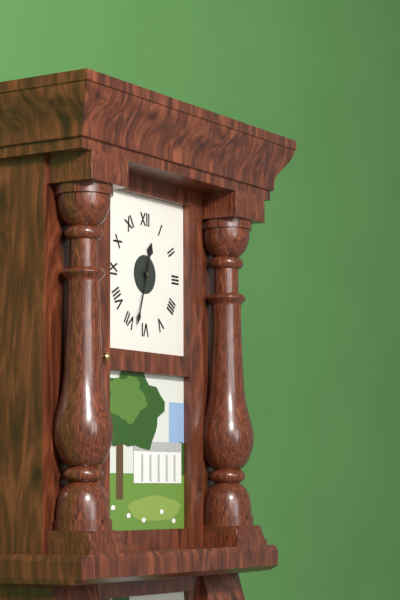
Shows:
{"hour": 12, "minute": 33}
